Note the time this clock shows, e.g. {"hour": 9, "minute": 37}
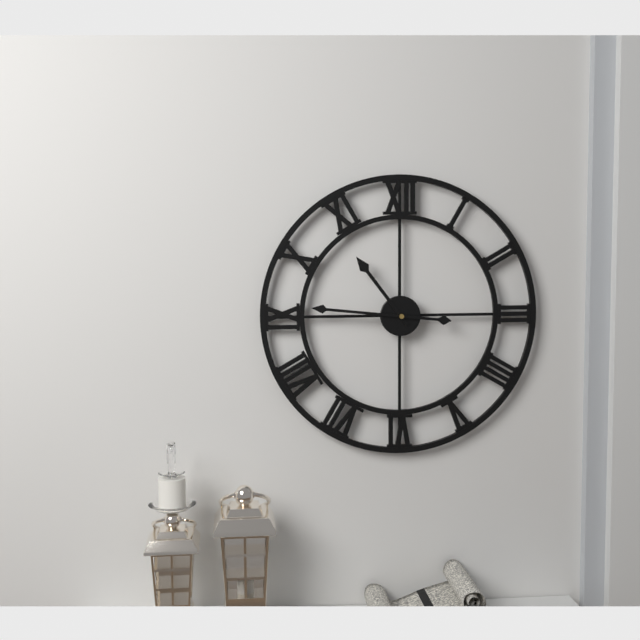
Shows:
{"hour": 10, "minute": 46}
